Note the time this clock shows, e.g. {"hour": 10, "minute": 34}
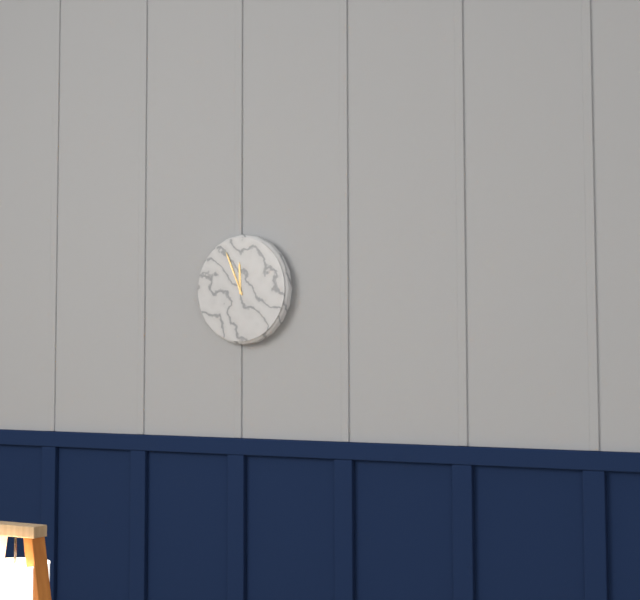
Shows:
{"hour": 11, "minute": 56}
